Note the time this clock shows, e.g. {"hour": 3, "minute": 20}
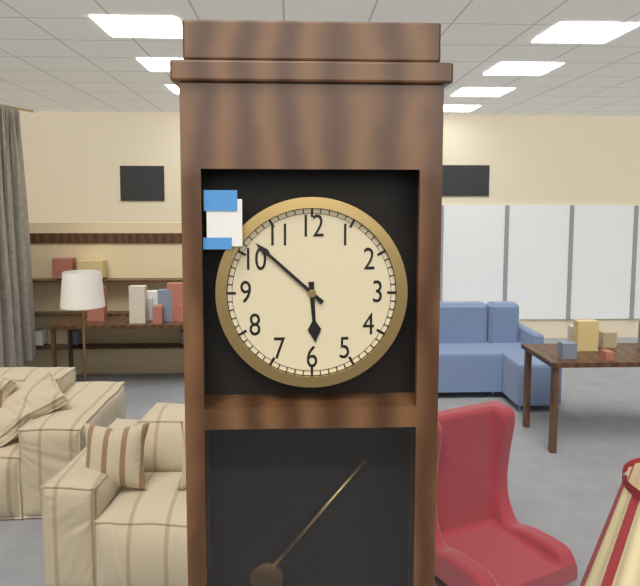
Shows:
{"hour": 5, "minute": 52}
